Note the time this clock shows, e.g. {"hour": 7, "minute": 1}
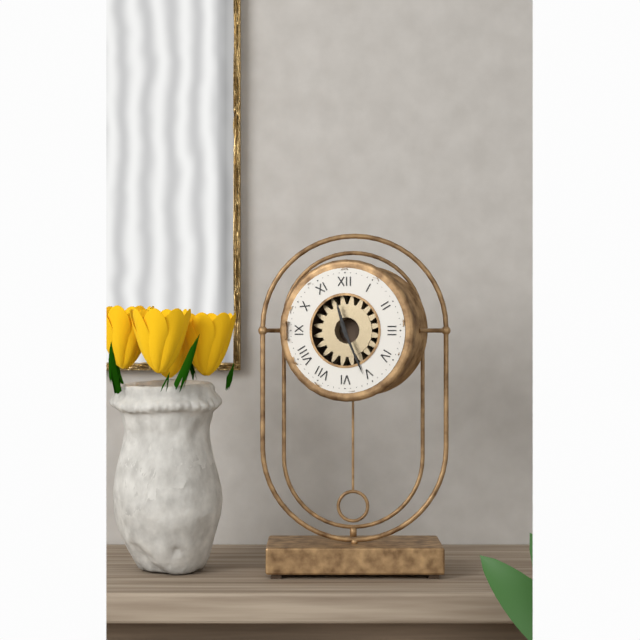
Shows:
{"hour": 11, "minute": 26}
